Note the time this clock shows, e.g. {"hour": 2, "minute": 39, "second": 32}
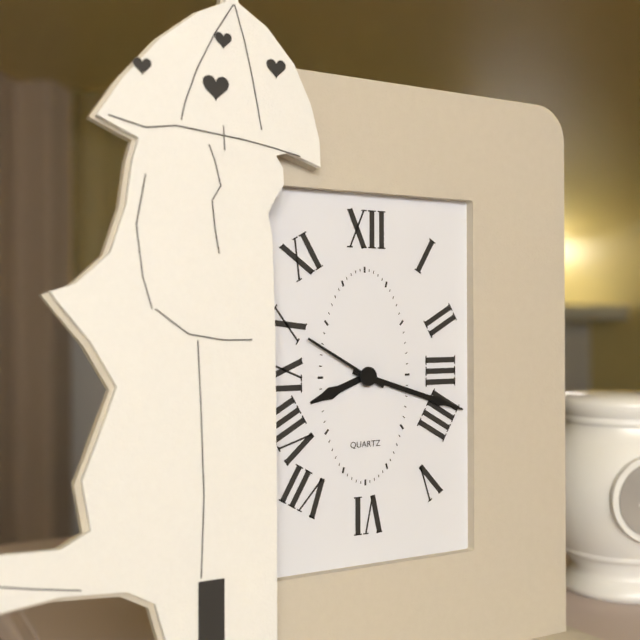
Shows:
{"hour": 8, "minute": 18, "second": 50}
